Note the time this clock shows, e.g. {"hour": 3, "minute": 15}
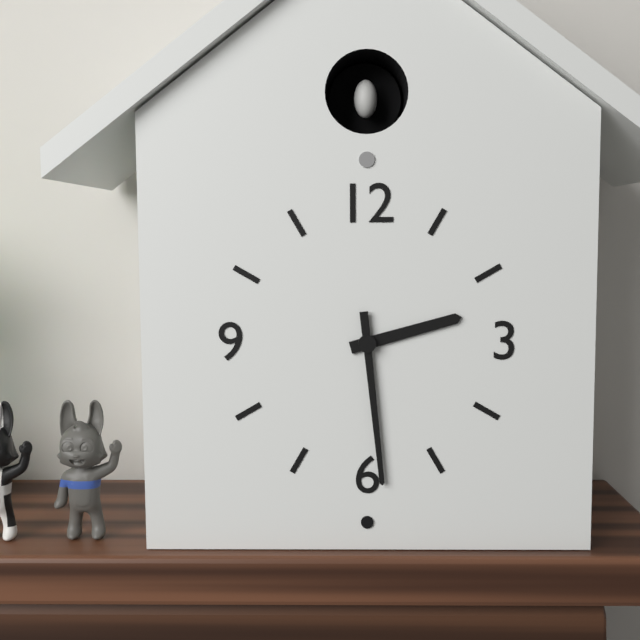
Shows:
{"hour": 2, "minute": 29}
